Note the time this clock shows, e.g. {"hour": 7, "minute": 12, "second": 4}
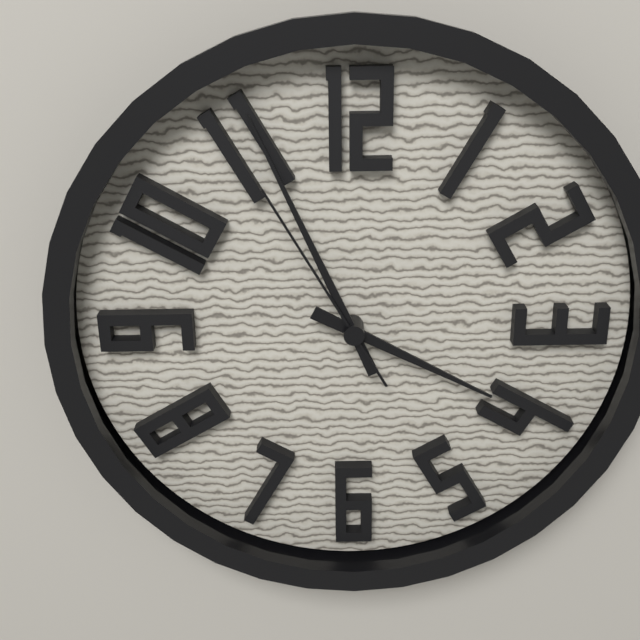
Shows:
{"hour": 3, "minute": 56, "second": 55}
